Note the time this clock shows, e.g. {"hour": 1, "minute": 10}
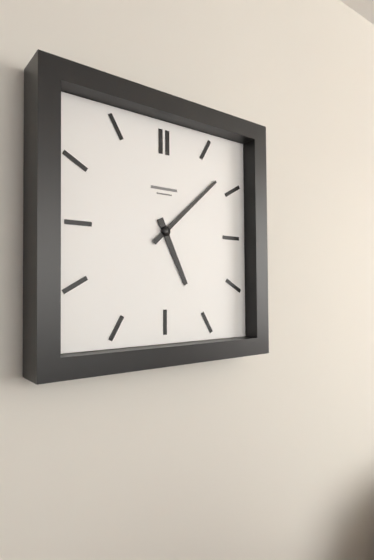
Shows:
{"hour": 5, "minute": 8}
